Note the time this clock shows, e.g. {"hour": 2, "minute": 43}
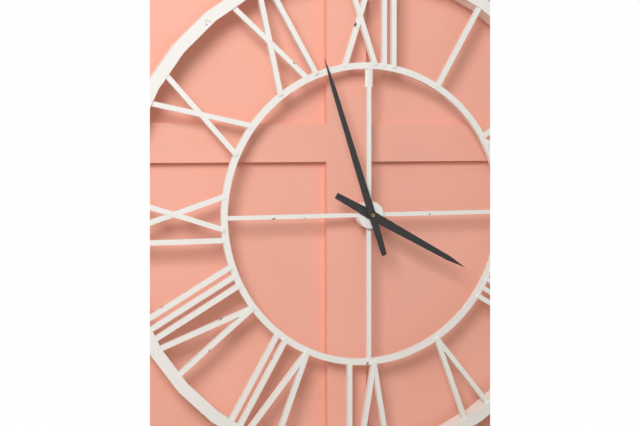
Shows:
{"hour": 3, "minute": 57}
